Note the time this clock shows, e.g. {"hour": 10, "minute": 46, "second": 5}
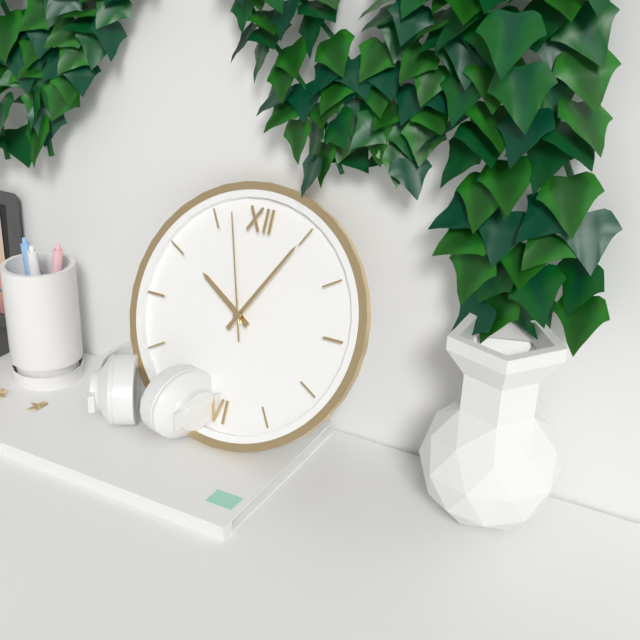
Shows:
{"hour": 10, "minute": 5, "second": 57}
